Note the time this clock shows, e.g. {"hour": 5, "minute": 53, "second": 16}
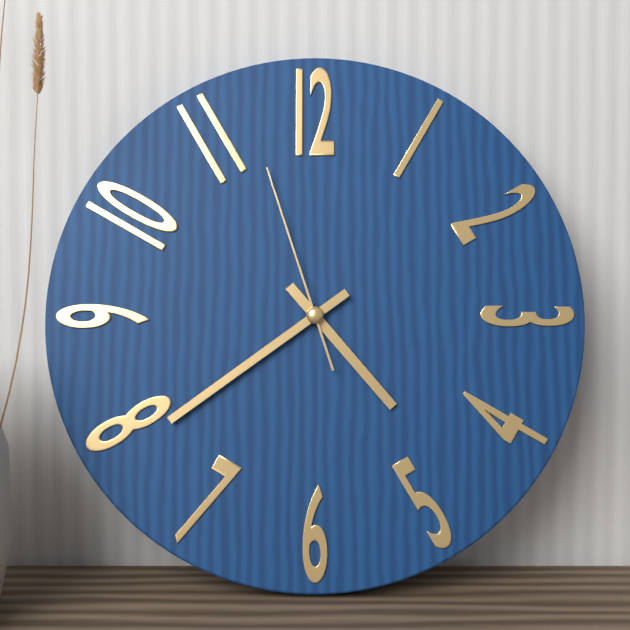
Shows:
{"hour": 4, "minute": 39, "second": 57}
